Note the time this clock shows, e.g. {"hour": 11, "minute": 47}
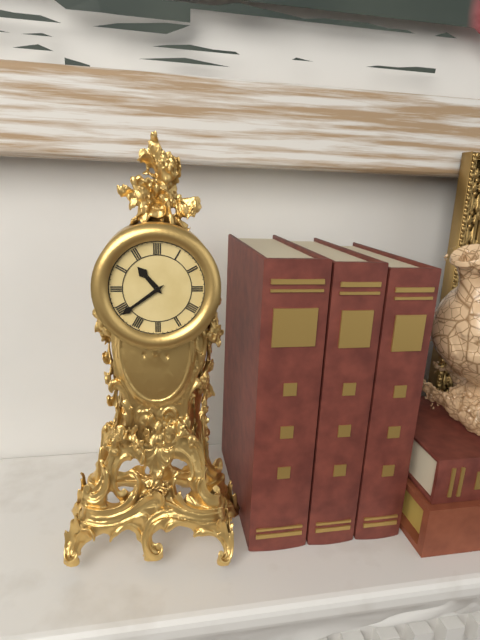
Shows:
{"hour": 10, "minute": 39}
